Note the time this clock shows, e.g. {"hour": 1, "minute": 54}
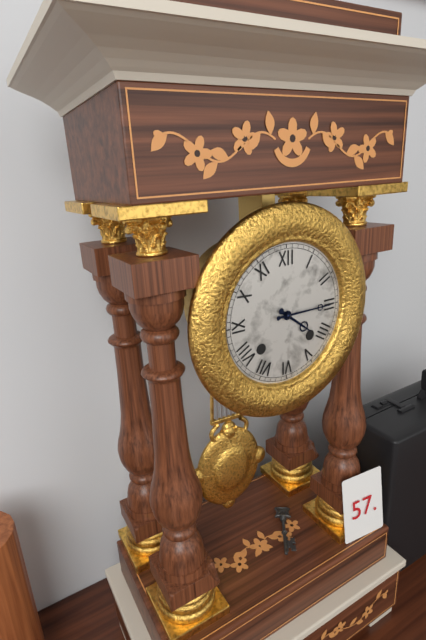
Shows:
{"hour": 4, "minute": 15}
